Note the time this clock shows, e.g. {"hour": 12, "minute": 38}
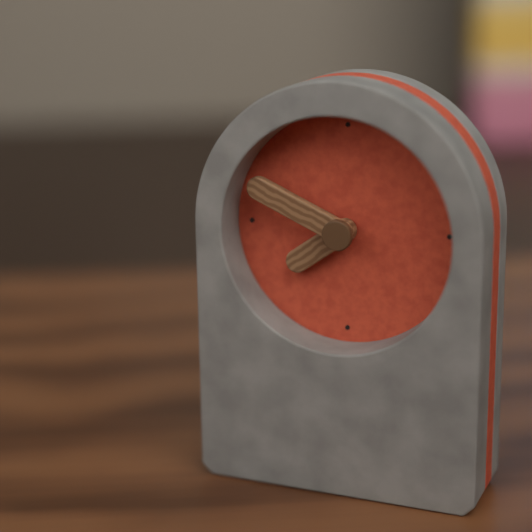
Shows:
{"hour": 7, "minute": 49}
